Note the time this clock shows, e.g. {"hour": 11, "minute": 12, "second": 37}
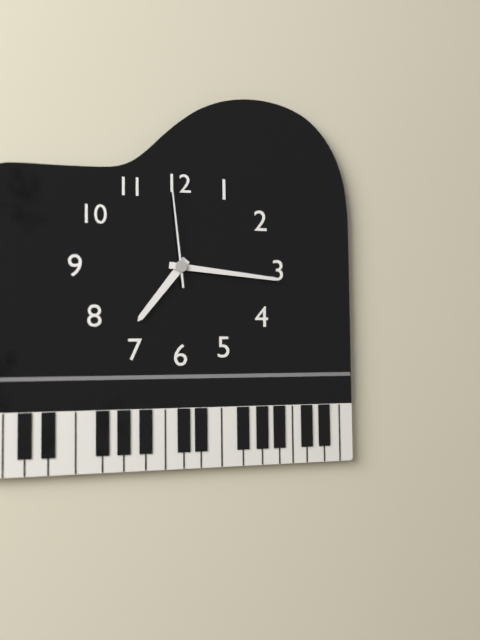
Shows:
{"hour": 7, "minute": 16, "second": 59}
